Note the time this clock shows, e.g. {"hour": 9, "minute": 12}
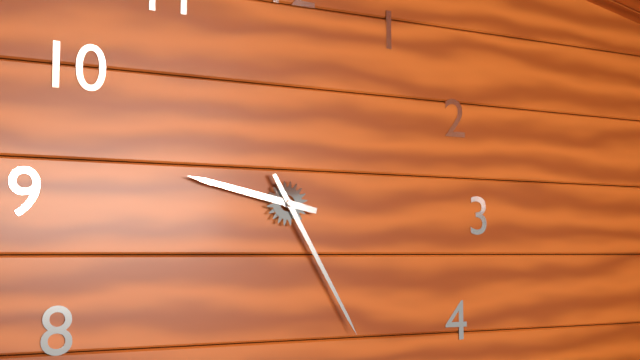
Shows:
{"hour": 9, "minute": 25}
